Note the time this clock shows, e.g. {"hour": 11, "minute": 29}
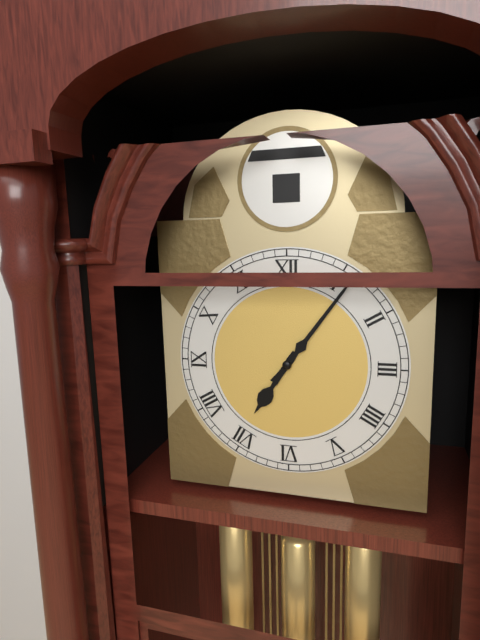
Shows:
{"hour": 7, "minute": 6}
